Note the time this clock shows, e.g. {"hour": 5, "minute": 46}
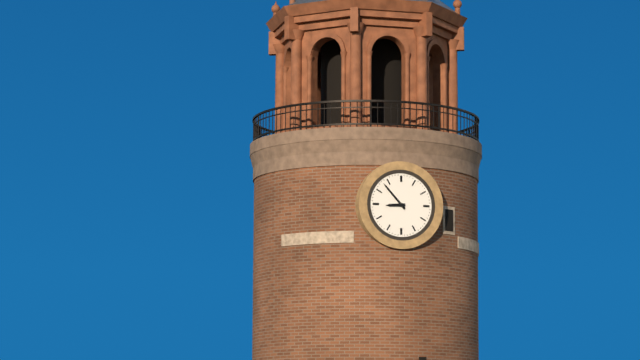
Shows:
{"hour": 8, "minute": 53}
